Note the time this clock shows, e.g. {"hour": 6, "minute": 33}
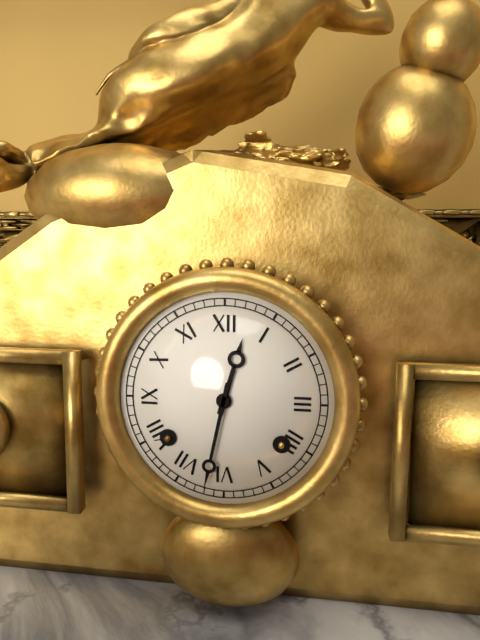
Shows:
{"hour": 12, "minute": 32}
